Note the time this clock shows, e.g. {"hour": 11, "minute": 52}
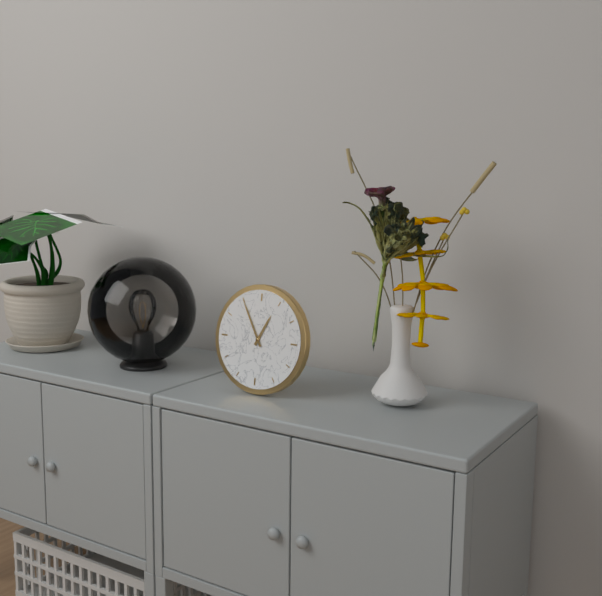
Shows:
{"hour": 12, "minute": 55}
